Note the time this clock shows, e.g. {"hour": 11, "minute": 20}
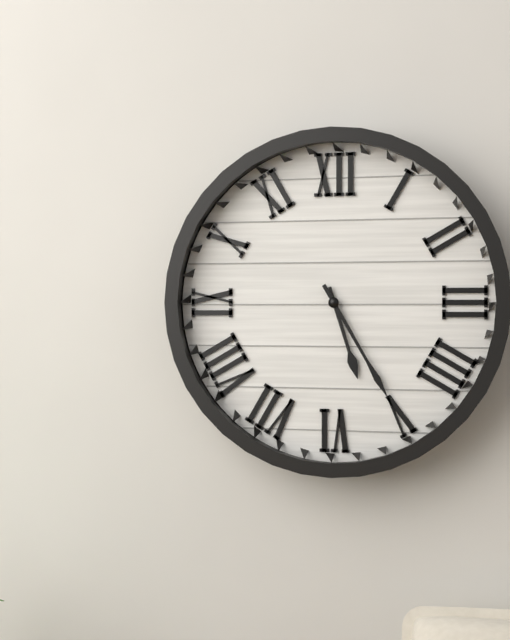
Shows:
{"hour": 5, "minute": 25}
